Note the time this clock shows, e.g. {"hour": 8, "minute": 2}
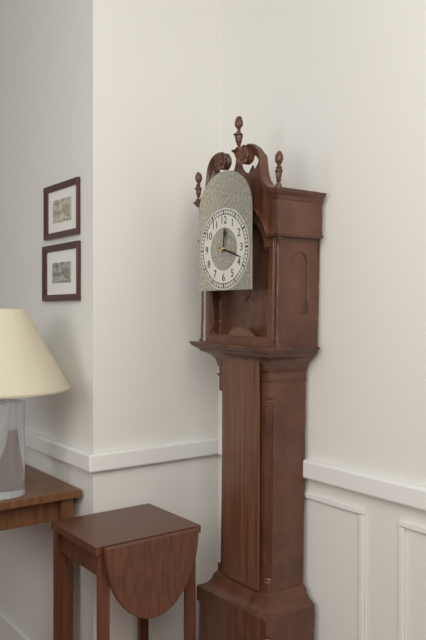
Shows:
{"hour": 12, "minute": 18}
